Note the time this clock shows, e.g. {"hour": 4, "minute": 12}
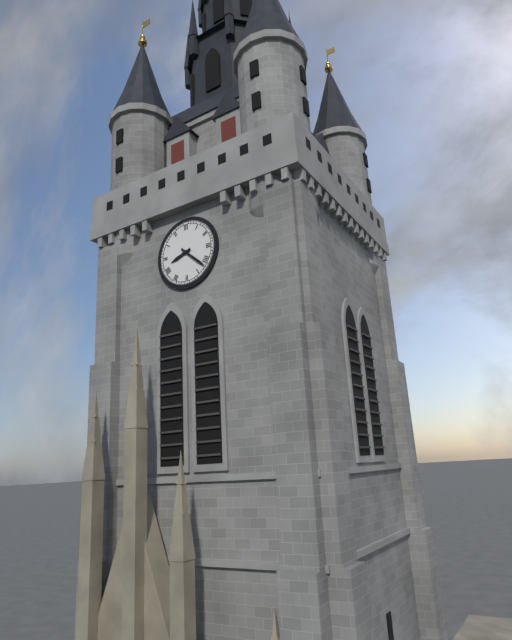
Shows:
{"hour": 8, "minute": 22}
